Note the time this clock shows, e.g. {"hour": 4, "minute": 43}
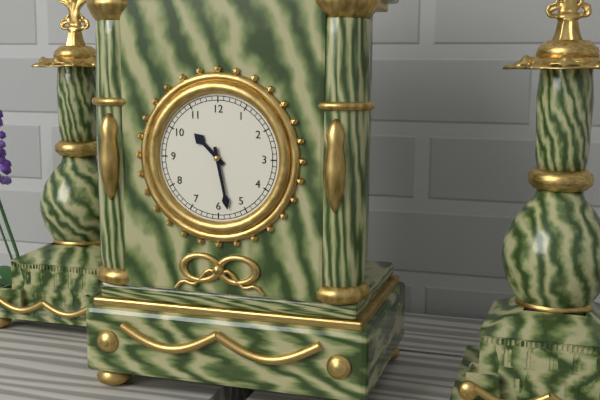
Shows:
{"hour": 10, "minute": 28}
